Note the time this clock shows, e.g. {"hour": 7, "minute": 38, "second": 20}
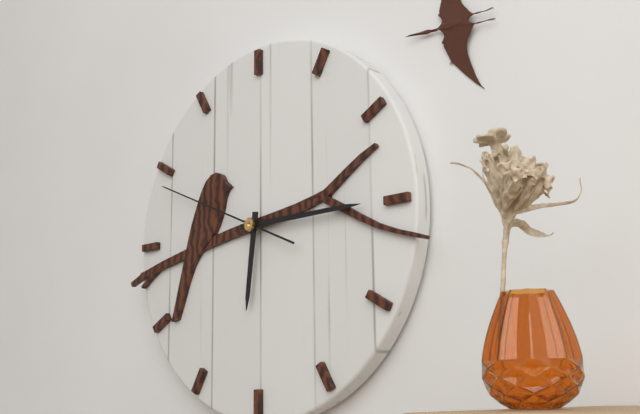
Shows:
{"hour": 6, "minute": 15, "second": 49}
